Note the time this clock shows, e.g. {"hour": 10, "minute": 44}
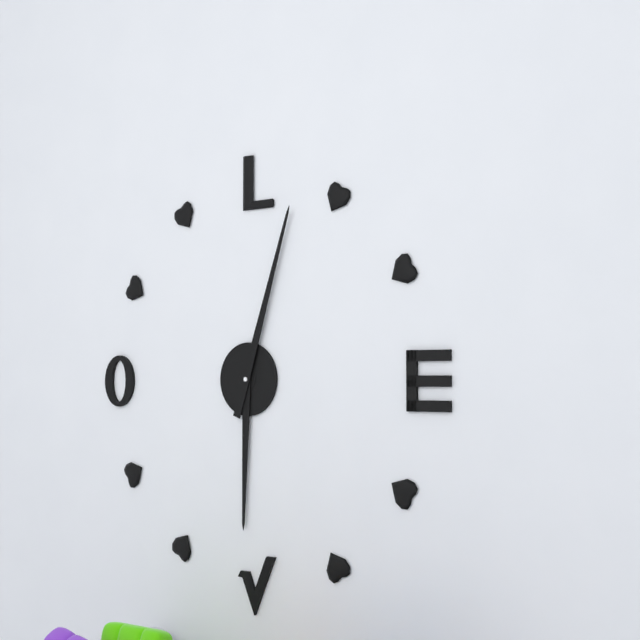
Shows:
{"hour": 6, "minute": 3}
